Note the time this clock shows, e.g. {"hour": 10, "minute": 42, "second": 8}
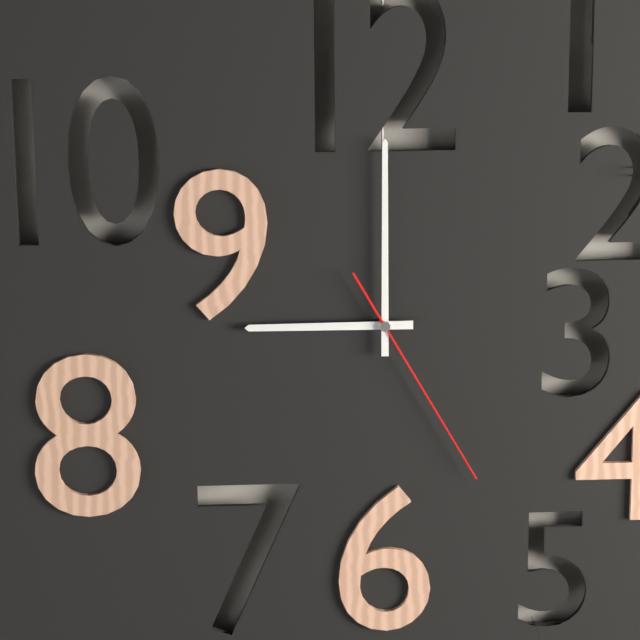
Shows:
{"hour": 9, "minute": 0, "second": 25}
